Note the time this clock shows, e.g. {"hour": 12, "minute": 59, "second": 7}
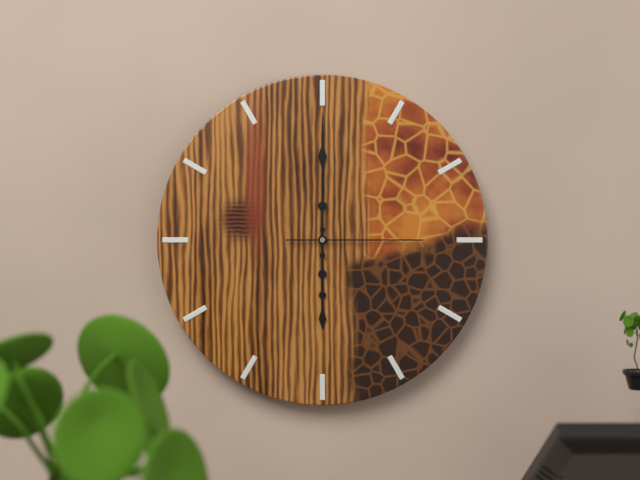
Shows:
{"hour": 6, "minute": 0, "second": 15}
